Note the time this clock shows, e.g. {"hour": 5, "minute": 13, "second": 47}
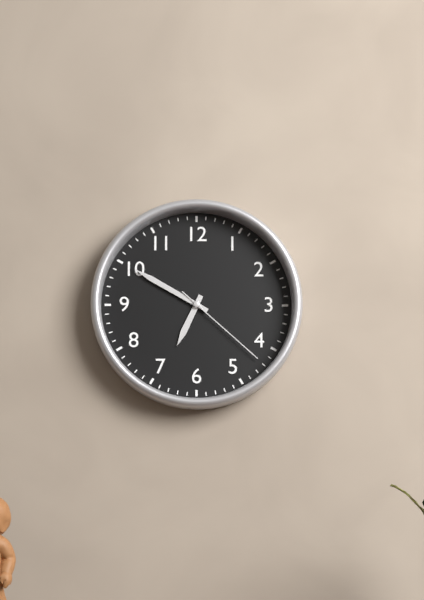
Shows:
{"hour": 6, "minute": 50, "second": 22}
